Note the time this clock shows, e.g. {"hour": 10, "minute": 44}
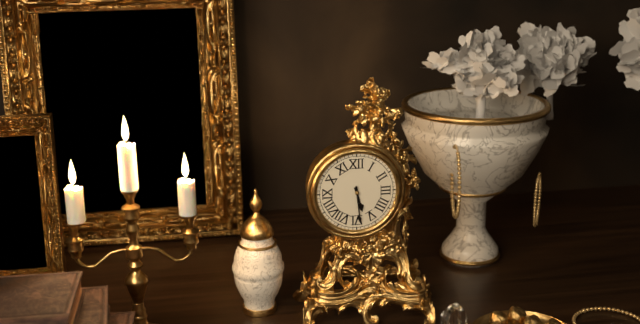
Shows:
{"hour": 5, "minute": 29}
